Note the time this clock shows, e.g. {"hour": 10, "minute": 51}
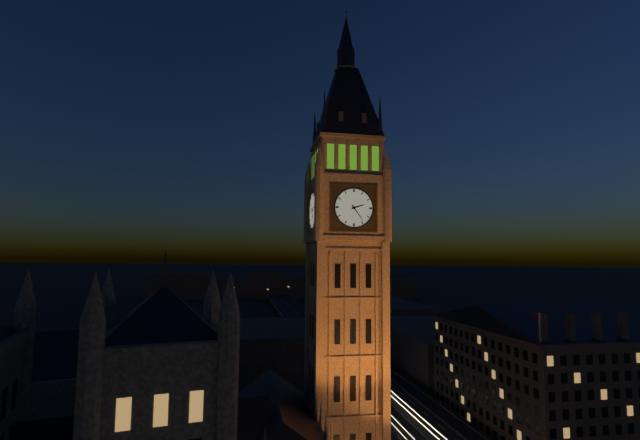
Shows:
{"hour": 2, "minute": 24}
